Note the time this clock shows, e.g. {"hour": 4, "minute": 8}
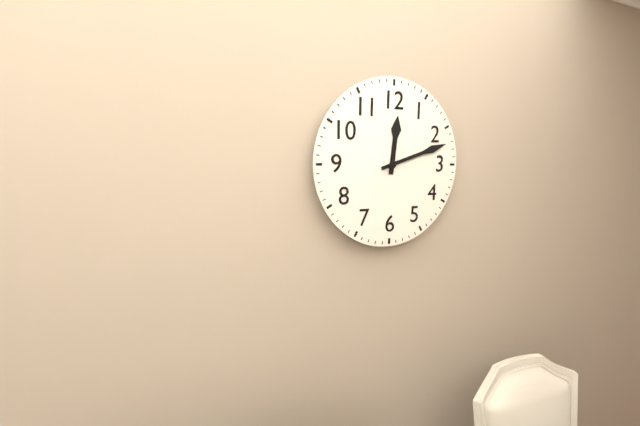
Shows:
{"hour": 12, "minute": 12}
